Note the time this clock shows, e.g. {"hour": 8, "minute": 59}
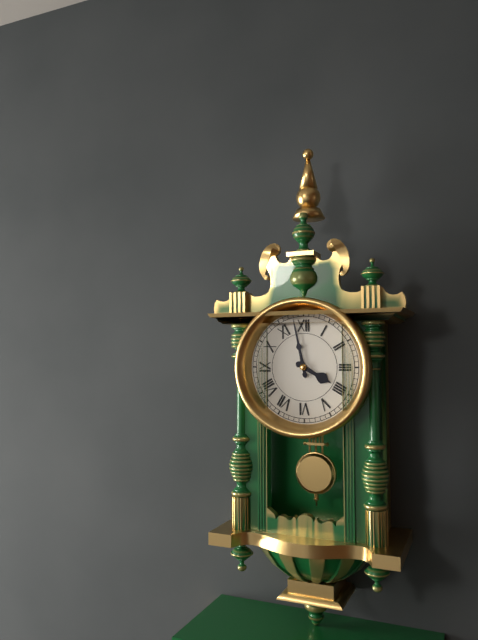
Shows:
{"hour": 3, "minute": 58}
